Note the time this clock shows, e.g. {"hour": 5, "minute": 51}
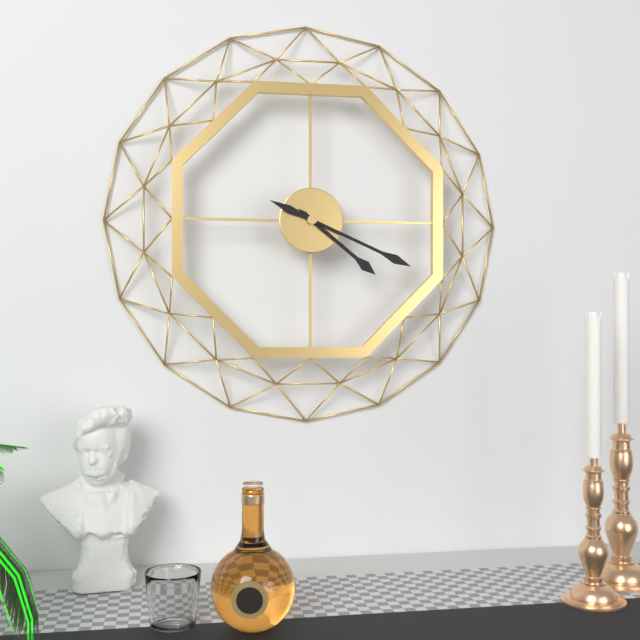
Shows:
{"hour": 4, "minute": 19}
